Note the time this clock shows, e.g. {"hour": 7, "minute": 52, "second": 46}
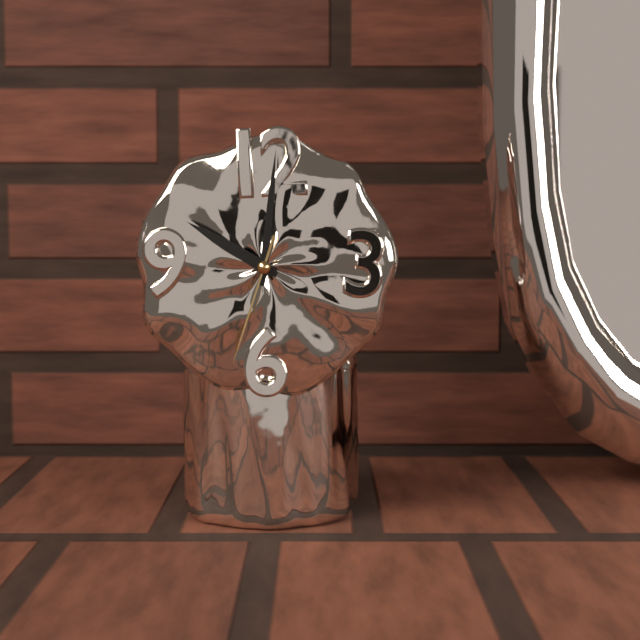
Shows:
{"hour": 10, "minute": 1, "second": 33}
